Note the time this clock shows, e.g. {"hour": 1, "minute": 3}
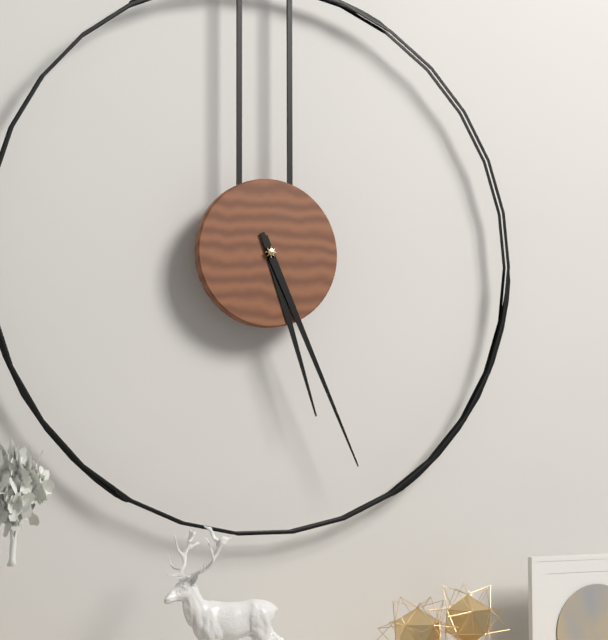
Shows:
{"hour": 5, "minute": 26}
